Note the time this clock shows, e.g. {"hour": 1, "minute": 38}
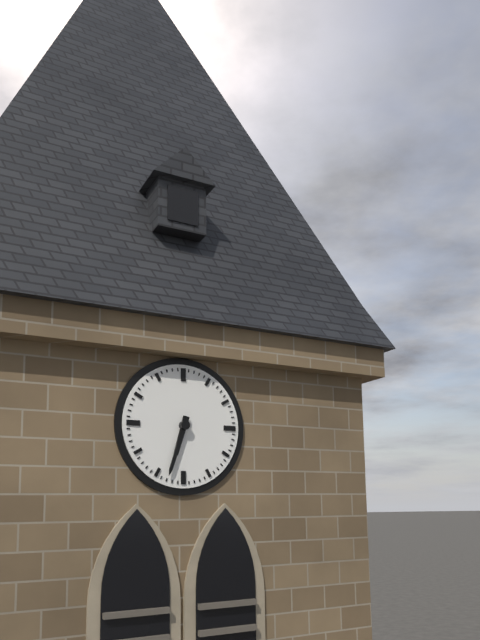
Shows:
{"hour": 6, "minute": 33}
